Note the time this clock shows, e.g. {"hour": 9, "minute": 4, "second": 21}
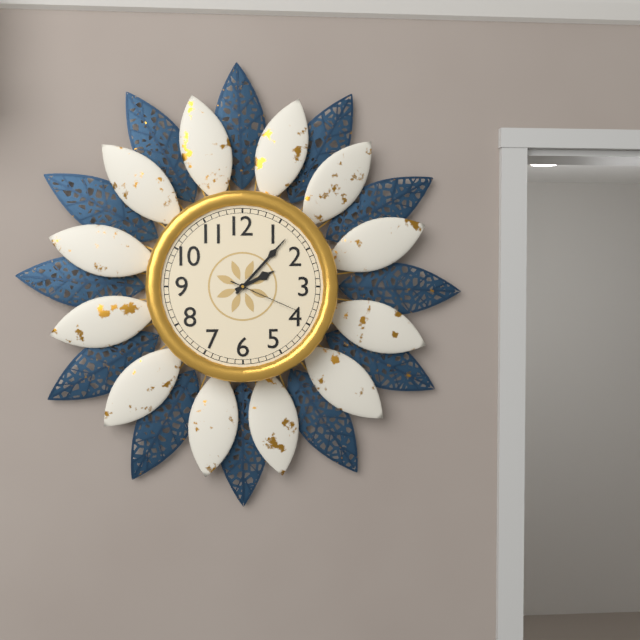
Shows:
{"hour": 2, "minute": 7, "second": 19}
